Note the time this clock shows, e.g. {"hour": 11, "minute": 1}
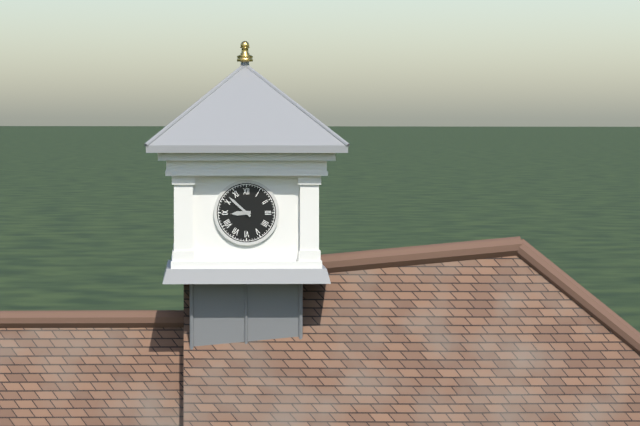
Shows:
{"hour": 8, "minute": 52}
